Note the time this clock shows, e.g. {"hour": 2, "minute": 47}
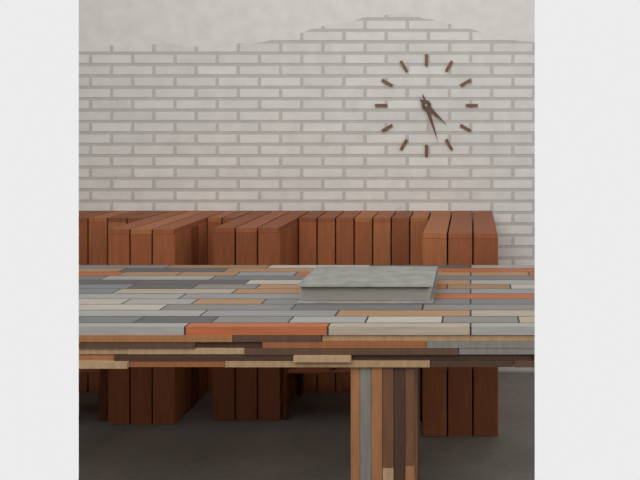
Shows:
{"hour": 4, "minute": 27}
